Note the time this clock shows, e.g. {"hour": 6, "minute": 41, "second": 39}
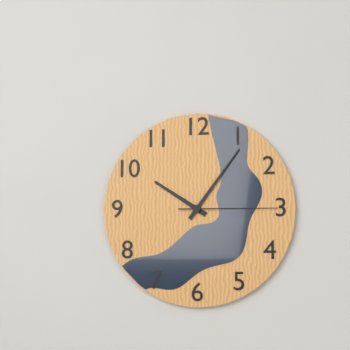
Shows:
{"hour": 10, "minute": 6, "second": 15}
